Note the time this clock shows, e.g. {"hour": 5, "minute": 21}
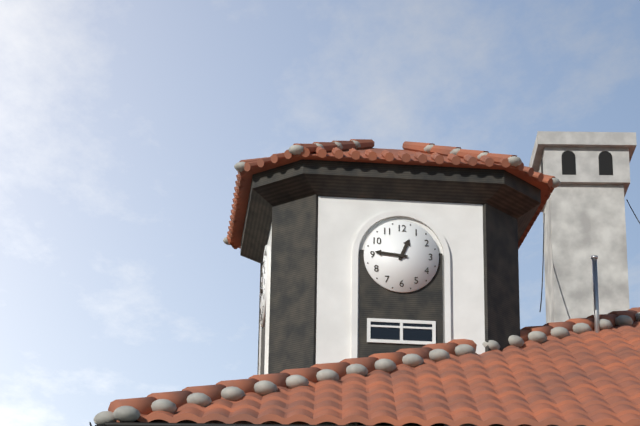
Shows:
{"hour": 12, "minute": 46}
